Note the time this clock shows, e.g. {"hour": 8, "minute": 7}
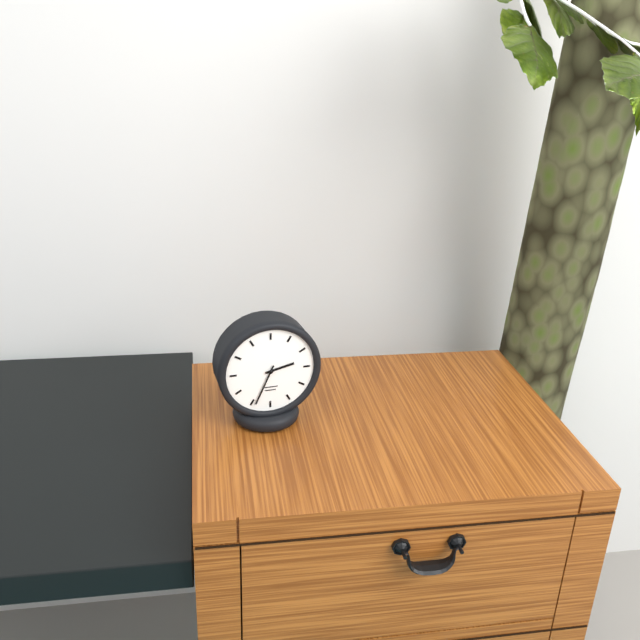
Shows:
{"hour": 2, "minute": 34}
